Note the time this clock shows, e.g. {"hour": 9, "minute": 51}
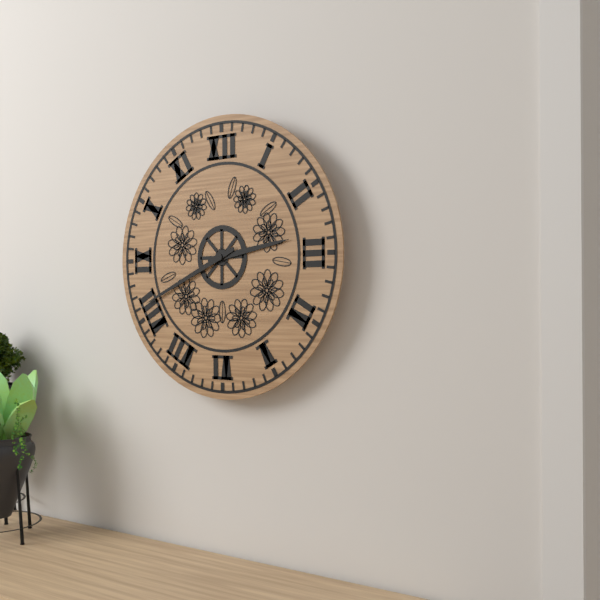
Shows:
{"hour": 2, "minute": 41}
